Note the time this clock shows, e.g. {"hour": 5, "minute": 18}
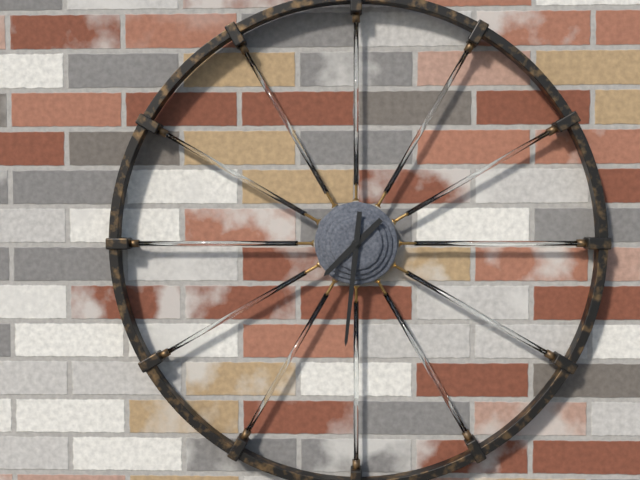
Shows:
{"hour": 7, "minute": 31}
